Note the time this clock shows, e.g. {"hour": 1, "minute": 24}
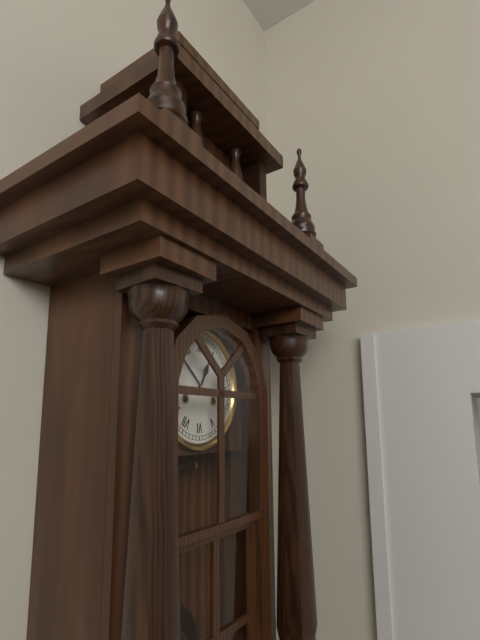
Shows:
{"hour": 12, "minute": 52}
